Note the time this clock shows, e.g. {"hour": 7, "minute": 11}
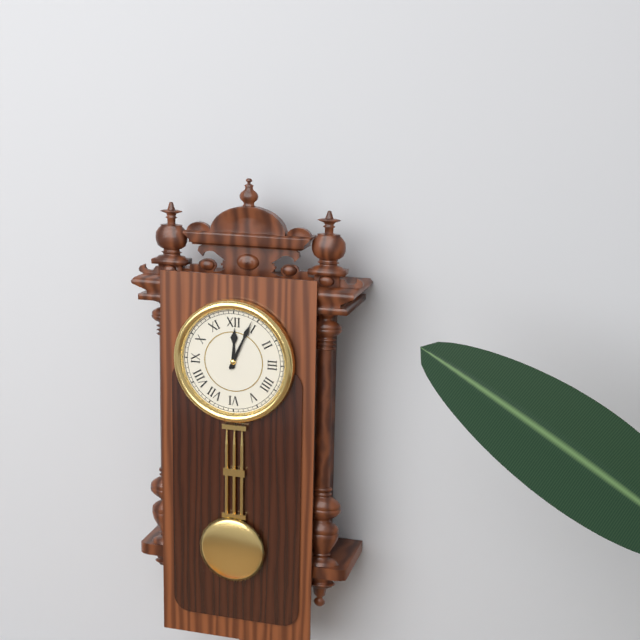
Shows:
{"hour": 12, "minute": 4}
